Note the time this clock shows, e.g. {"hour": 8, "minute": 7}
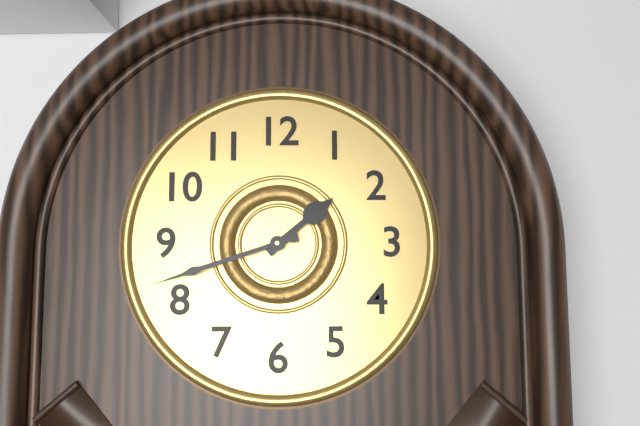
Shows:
{"hour": 1, "minute": 42}
